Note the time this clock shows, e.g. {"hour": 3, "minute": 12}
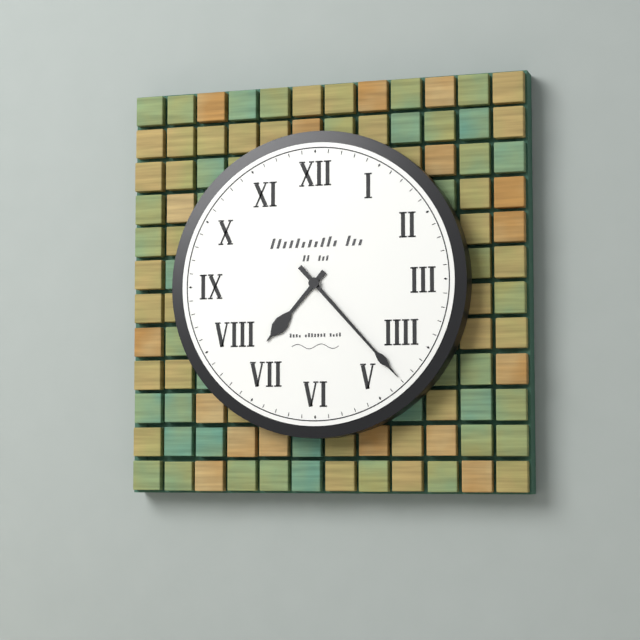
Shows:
{"hour": 7, "minute": 23}
